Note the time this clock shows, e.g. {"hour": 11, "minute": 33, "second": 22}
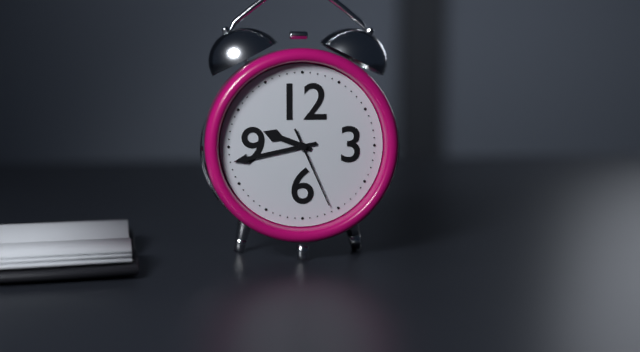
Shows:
{"hour": 9, "minute": 43, "second": 26}
